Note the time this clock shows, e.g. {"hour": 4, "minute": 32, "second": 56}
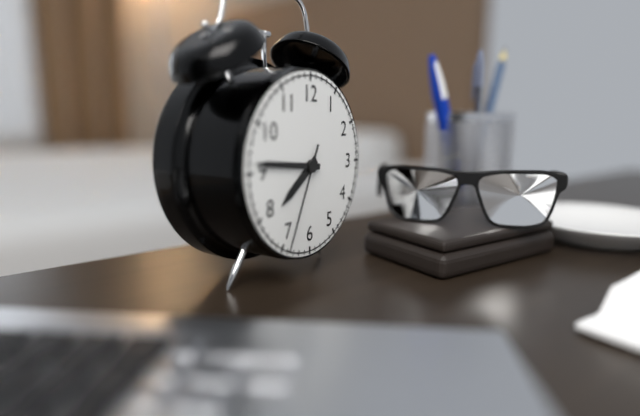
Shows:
{"hour": 7, "minute": 46, "second": 34}
